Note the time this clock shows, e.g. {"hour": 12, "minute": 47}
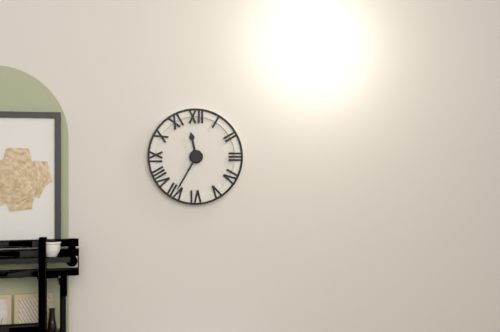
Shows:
{"hour": 11, "minute": 35}
